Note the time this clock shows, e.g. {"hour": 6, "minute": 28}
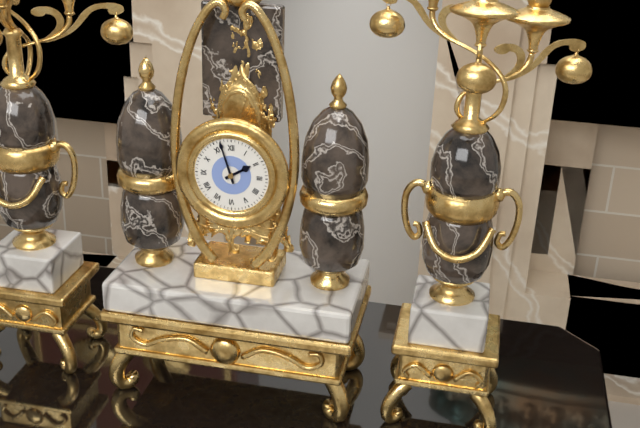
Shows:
{"hour": 1, "minute": 57}
